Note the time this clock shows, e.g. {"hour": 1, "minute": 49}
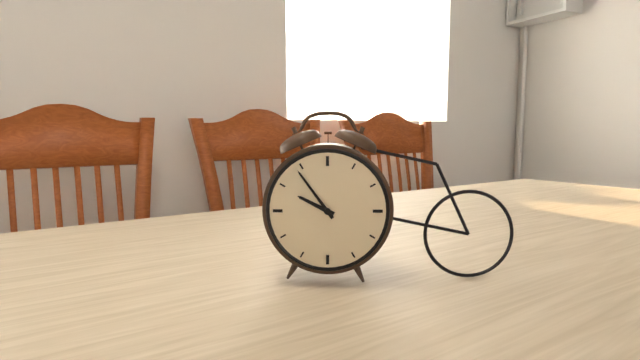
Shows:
{"hour": 9, "minute": 54}
